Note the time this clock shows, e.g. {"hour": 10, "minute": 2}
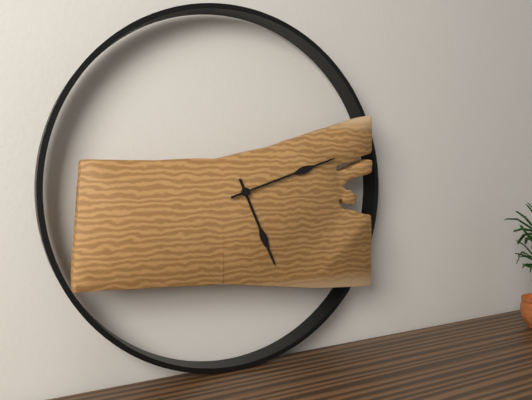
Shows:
{"hour": 5, "minute": 12}
